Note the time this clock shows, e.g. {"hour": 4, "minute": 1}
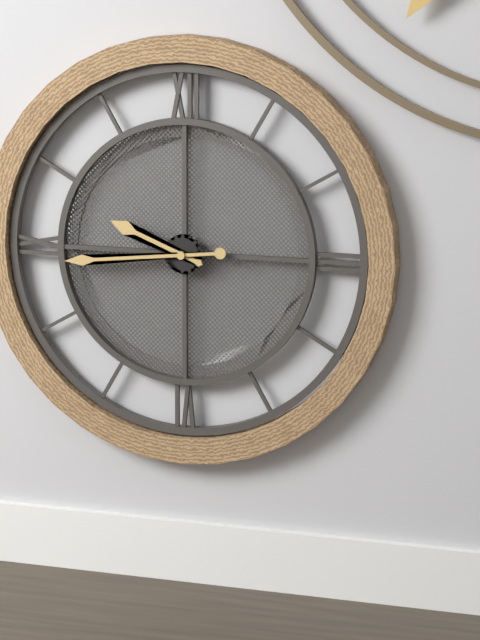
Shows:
{"hour": 9, "minute": 44}
